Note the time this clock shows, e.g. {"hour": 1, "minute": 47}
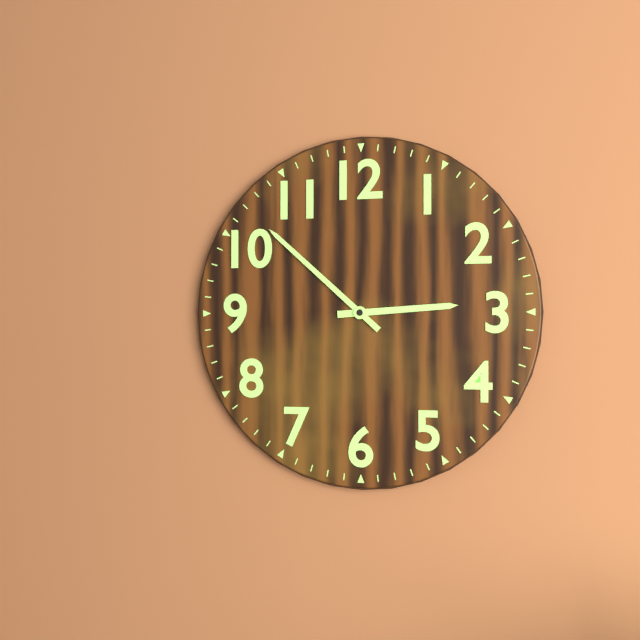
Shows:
{"hour": 2, "minute": 52}
